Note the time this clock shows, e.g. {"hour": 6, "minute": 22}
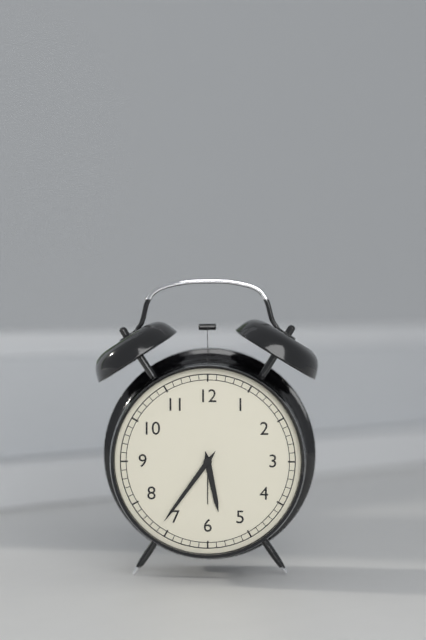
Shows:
{"hour": 5, "minute": 36}
